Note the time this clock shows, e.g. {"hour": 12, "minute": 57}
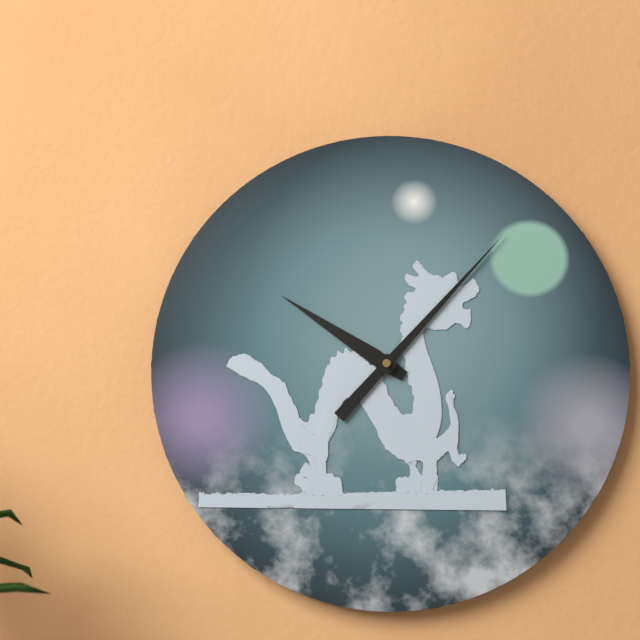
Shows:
{"hour": 10, "minute": 7}
